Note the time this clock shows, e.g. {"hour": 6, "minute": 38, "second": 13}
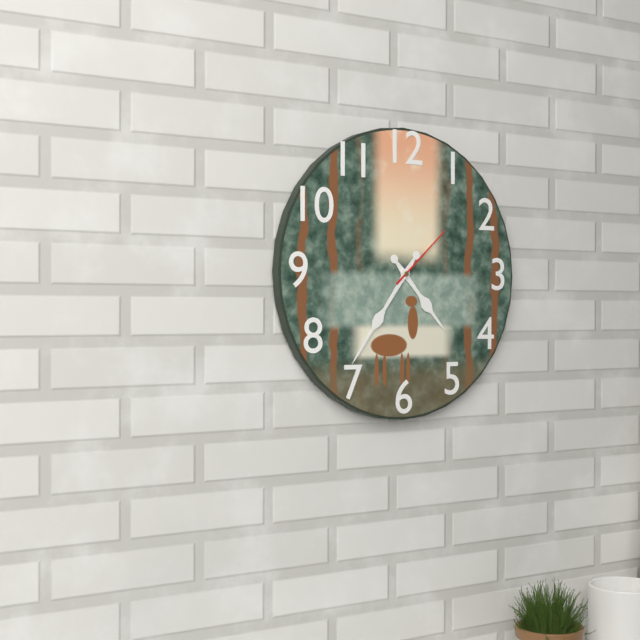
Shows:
{"hour": 4, "minute": 36, "second": 8}
